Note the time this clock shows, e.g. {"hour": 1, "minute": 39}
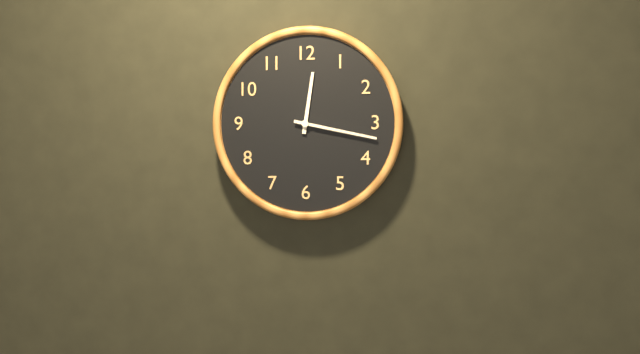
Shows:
{"hour": 12, "minute": 17}
